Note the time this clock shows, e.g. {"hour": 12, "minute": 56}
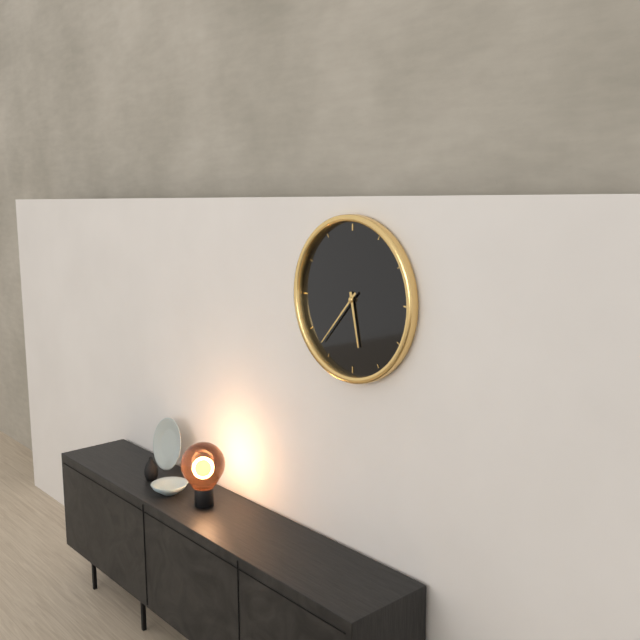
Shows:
{"hour": 5, "minute": 37}
